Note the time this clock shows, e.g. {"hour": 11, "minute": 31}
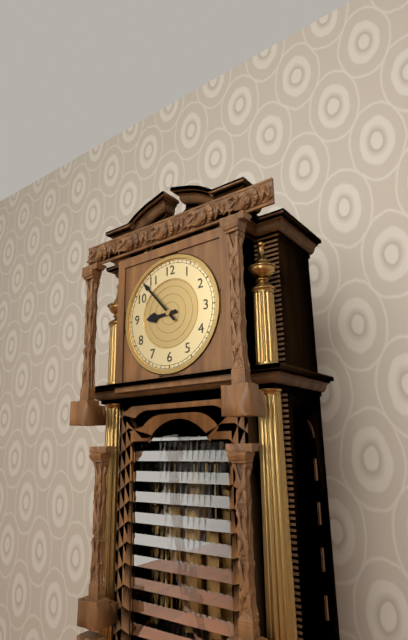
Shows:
{"hour": 8, "minute": 53}
